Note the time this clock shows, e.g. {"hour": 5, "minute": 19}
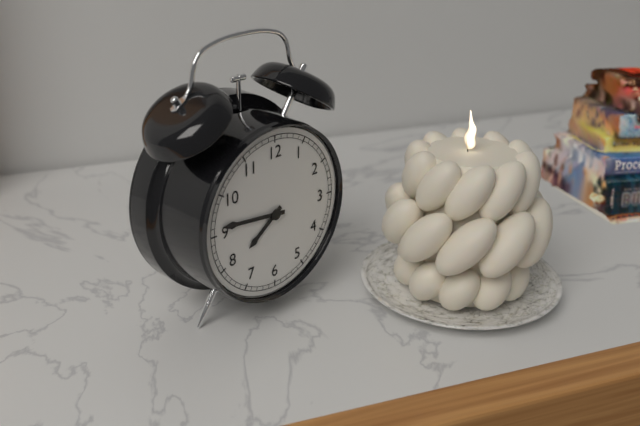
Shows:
{"hour": 7, "minute": 46}
